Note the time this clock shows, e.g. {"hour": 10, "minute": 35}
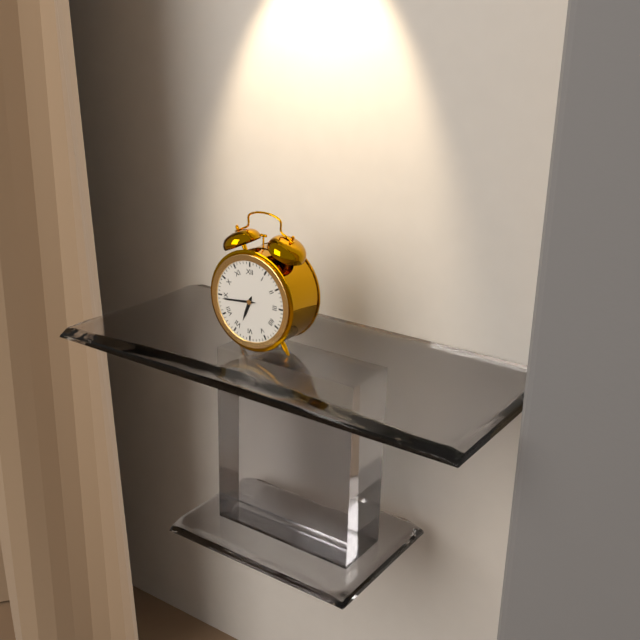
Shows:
{"hour": 6, "minute": 44}
